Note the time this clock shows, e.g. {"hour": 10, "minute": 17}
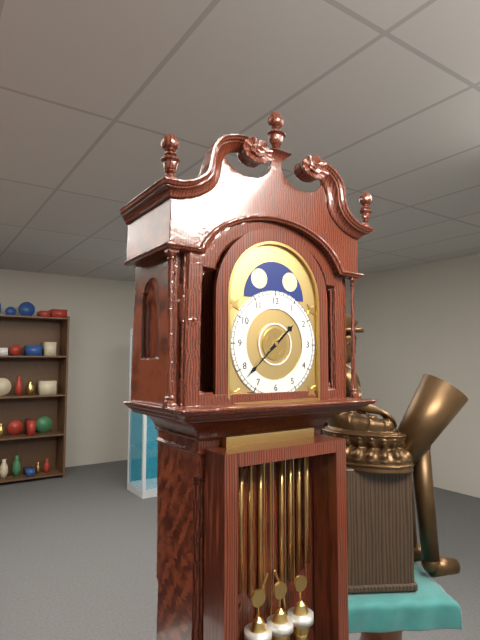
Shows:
{"hour": 1, "minute": 38}
